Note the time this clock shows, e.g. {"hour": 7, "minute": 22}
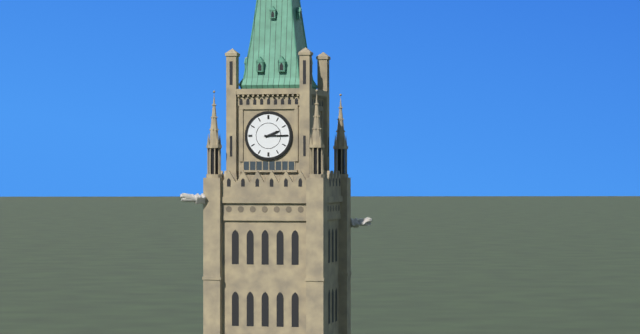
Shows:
{"hour": 2, "minute": 15}
